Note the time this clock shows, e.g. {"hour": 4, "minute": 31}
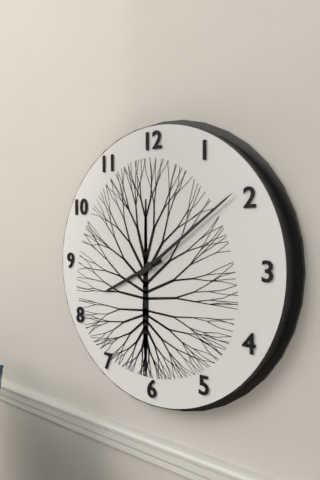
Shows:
{"hour": 8, "minute": 9}
